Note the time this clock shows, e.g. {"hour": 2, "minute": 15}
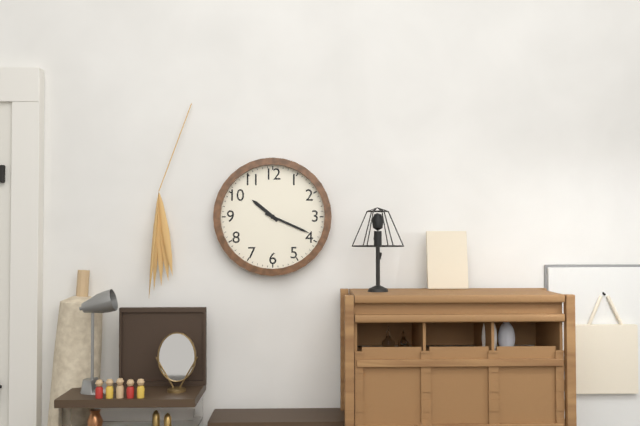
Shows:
{"hour": 10, "minute": 19}
